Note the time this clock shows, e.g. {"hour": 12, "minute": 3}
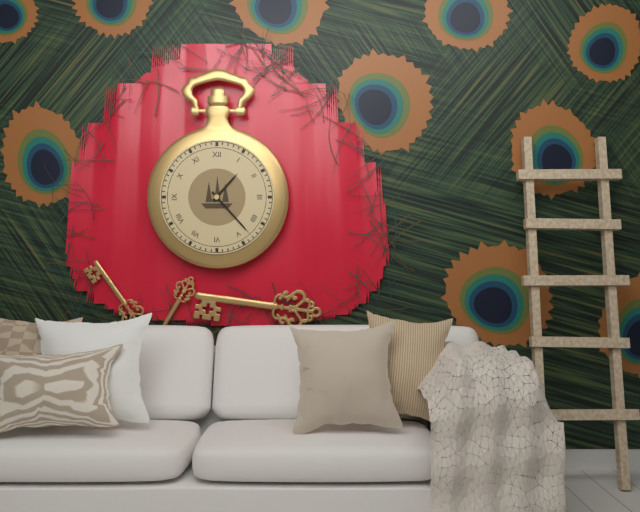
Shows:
{"hour": 1, "minute": 23}
